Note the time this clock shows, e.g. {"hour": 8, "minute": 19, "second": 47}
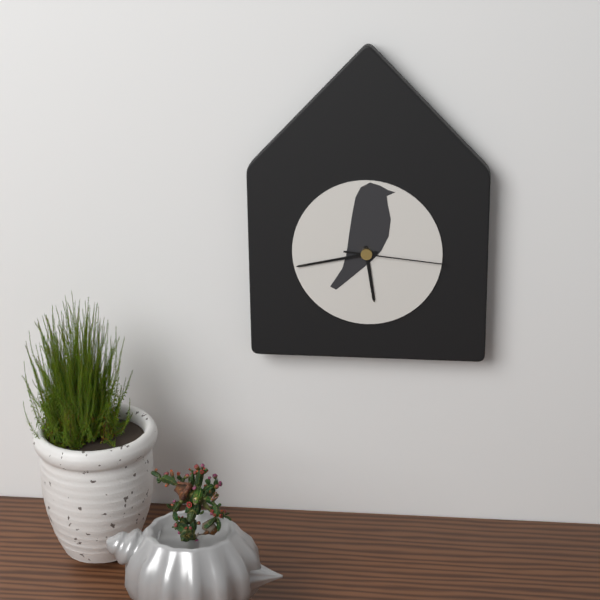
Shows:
{"hour": 5, "minute": 43, "second": 16}
